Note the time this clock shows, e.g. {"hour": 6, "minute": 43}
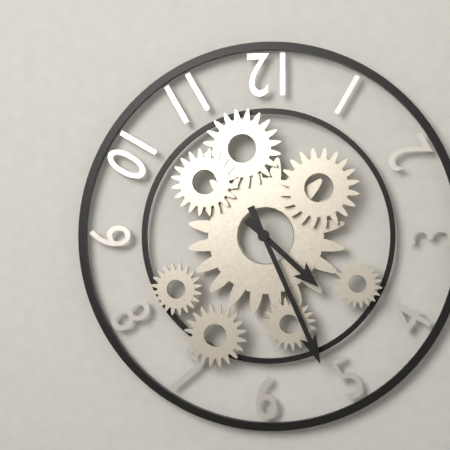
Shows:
{"hour": 4, "minute": 26}
